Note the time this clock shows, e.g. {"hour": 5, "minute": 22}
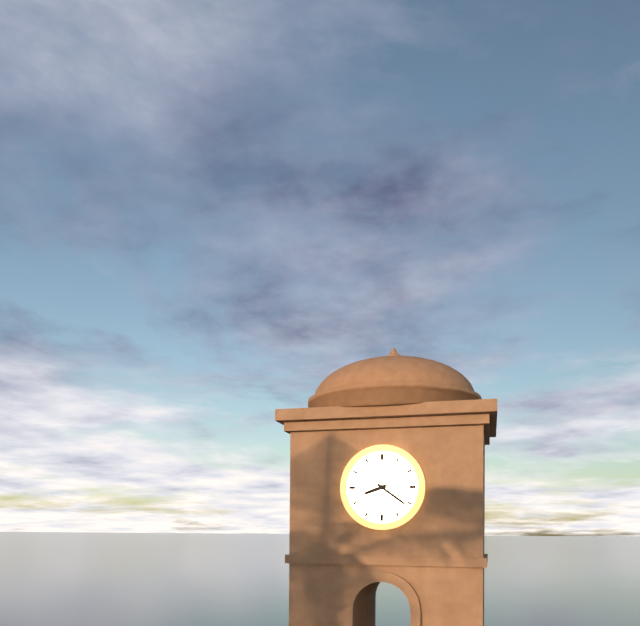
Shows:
{"hour": 8, "minute": 21}
